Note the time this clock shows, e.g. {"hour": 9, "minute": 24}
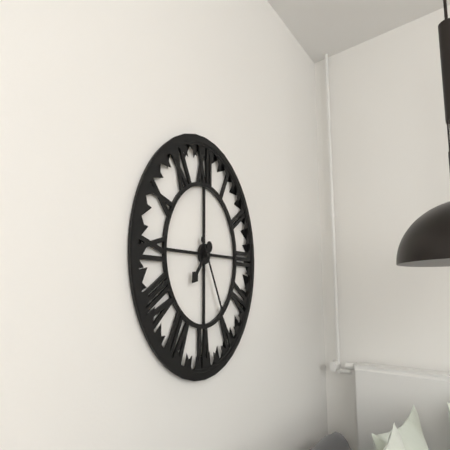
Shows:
{"hour": 7, "minute": 25}
